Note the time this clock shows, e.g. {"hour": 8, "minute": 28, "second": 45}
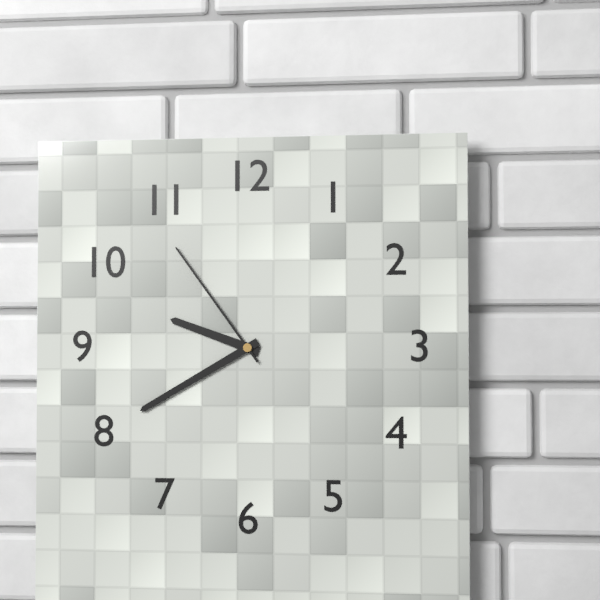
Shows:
{"hour": 9, "minute": 40, "second": 54}
